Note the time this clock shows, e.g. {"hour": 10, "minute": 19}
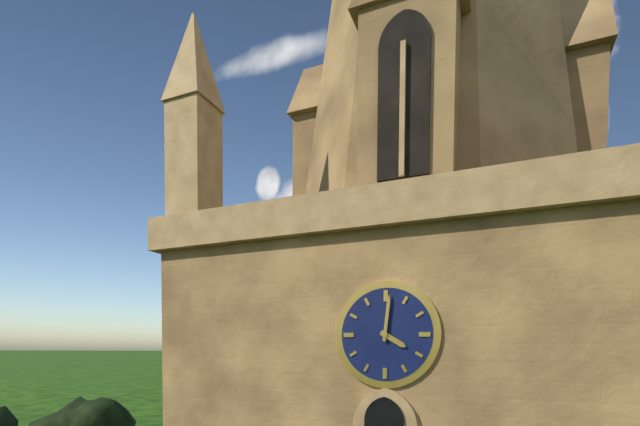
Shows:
{"hour": 4, "minute": 1}
